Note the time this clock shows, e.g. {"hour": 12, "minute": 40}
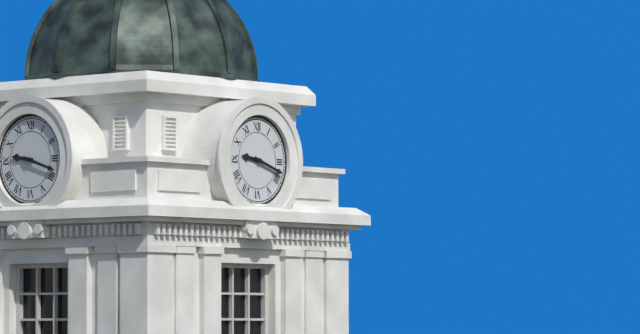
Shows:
{"hour": 9, "minute": 18}
